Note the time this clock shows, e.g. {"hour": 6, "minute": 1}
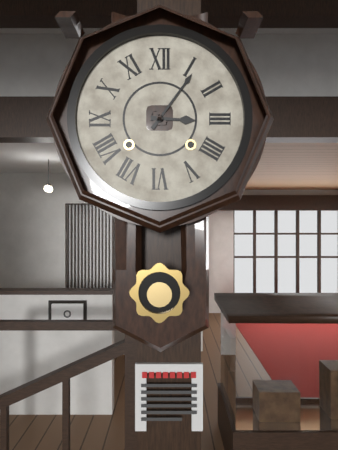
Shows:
{"hour": 3, "minute": 6}
